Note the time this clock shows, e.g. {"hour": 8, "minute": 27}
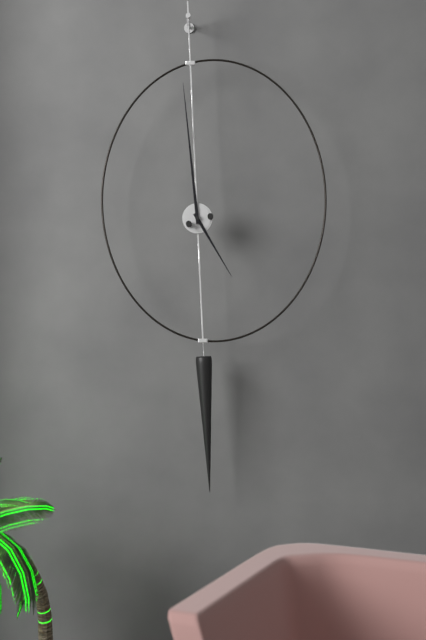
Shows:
{"hour": 4, "minute": 59}
